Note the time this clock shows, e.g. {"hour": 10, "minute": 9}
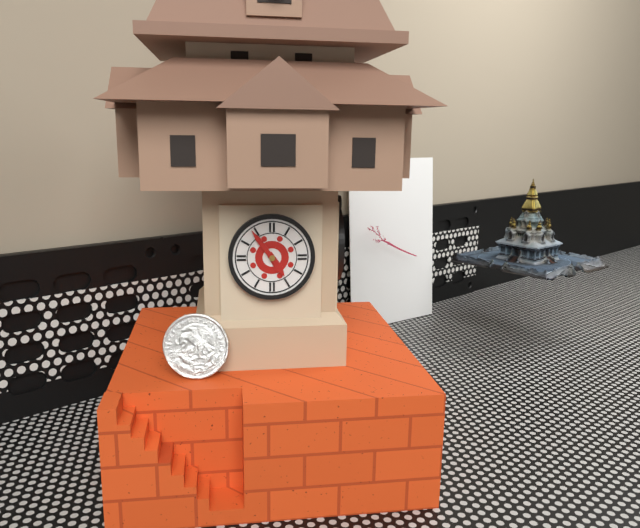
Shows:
{"hour": 4, "minute": 54}
